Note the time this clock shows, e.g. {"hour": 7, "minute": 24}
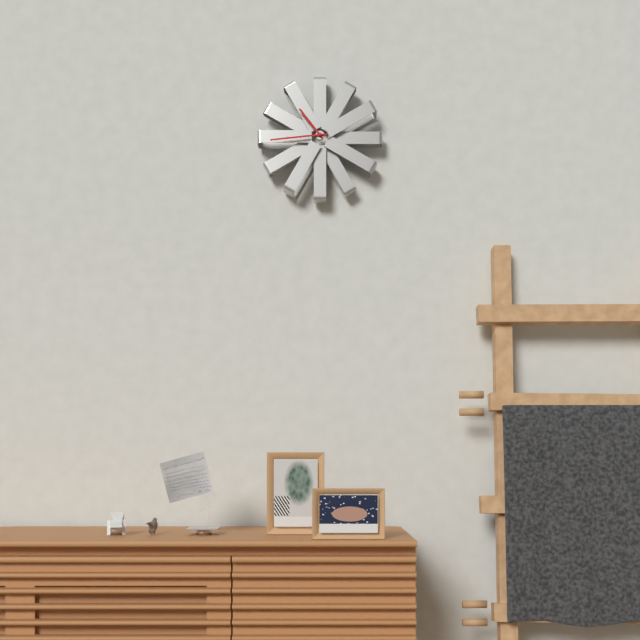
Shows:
{"hour": 10, "minute": 44}
